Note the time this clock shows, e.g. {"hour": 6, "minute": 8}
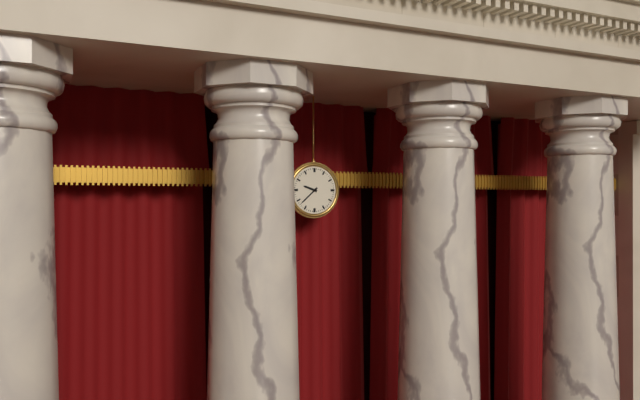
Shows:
{"hour": 9, "minute": 38}
